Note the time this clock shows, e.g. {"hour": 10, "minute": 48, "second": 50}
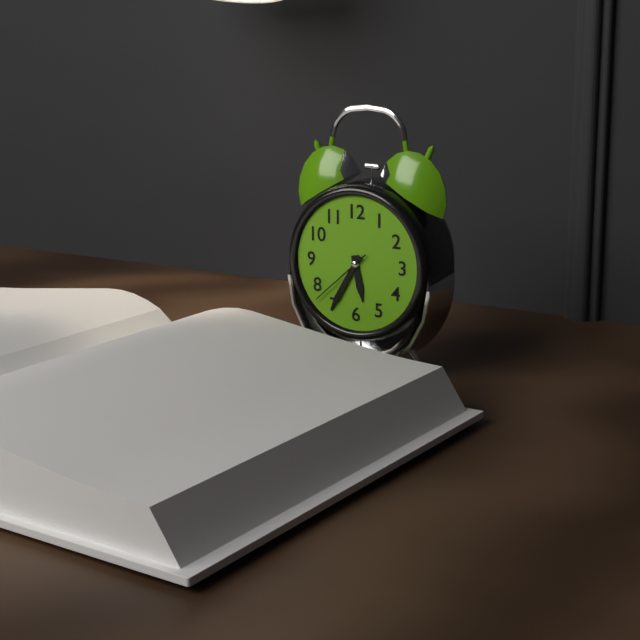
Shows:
{"hour": 5, "minute": 35, "second": 38}
